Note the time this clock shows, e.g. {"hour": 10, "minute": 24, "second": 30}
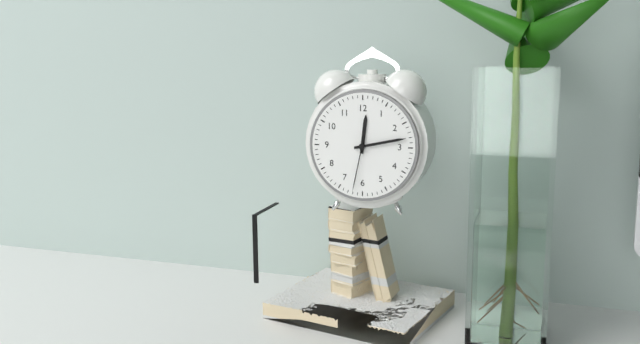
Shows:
{"hour": 12, "minute": 13, "second": 32}
